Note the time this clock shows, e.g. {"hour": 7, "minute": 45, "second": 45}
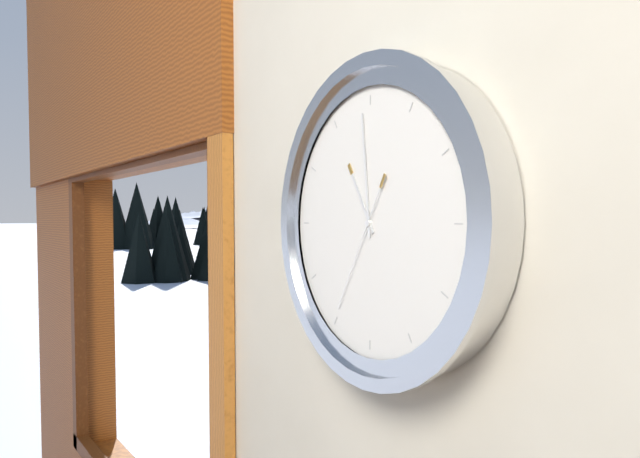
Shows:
{"hour": 10, "minute": 59, "second": 35}
